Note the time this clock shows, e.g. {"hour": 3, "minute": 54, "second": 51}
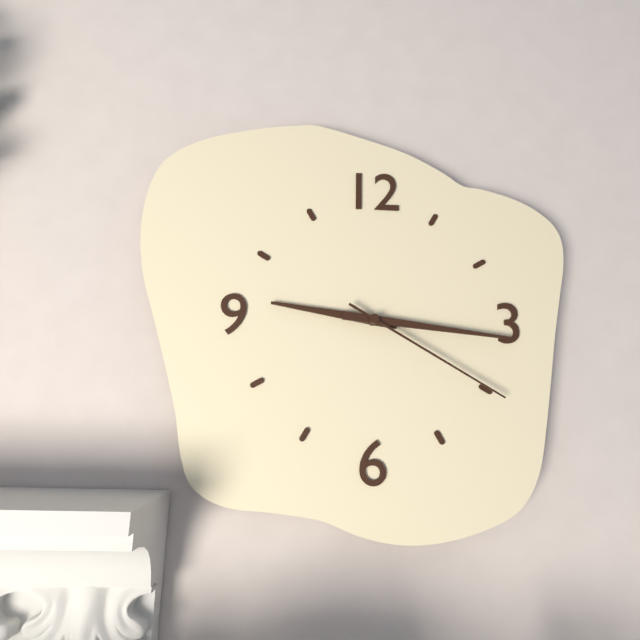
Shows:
{"hour": 9, "minute": 16, "second": 20}
